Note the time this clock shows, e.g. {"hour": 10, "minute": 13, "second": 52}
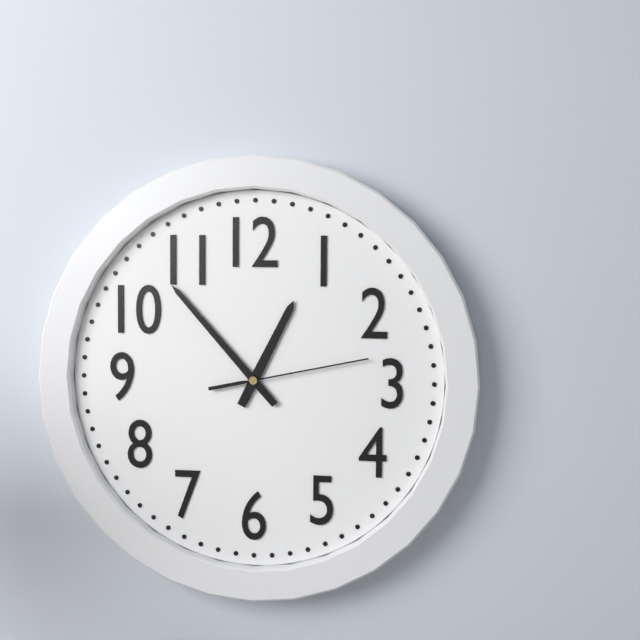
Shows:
{"hour": 12, "minute": 53, "second": 13}
